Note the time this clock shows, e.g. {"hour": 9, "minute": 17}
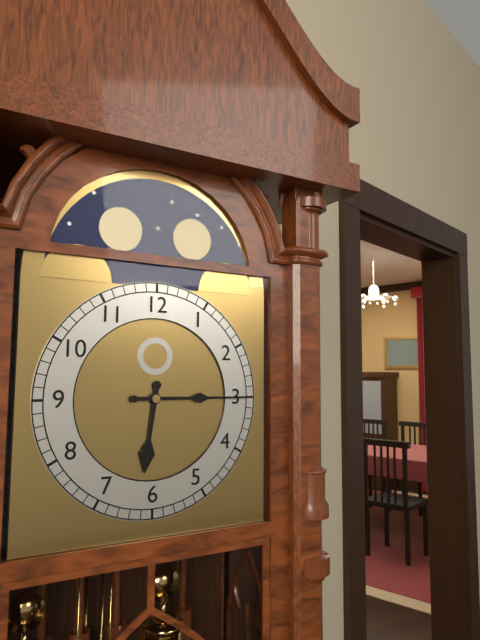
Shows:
{"hour": 6, "minute": 15}
